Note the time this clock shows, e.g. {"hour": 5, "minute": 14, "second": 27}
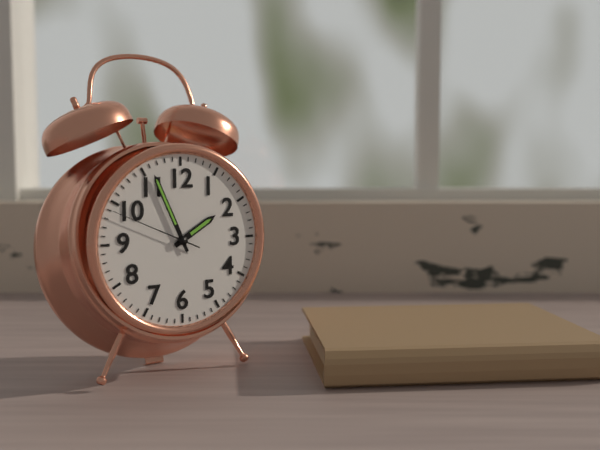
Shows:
{"hour": 1, "minute": 56, "second": 49}
